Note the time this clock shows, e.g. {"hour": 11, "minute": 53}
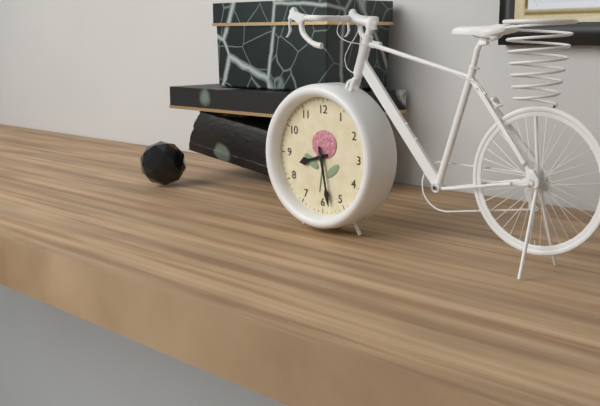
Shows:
{"hour": 8, "minute": 28}
